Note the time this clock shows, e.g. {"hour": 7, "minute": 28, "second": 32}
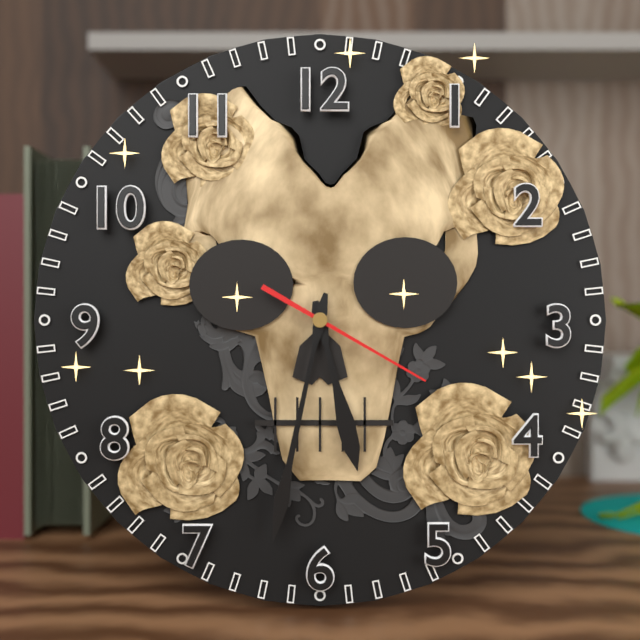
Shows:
{"hour": 5, "minute": 32, "second": 20}
